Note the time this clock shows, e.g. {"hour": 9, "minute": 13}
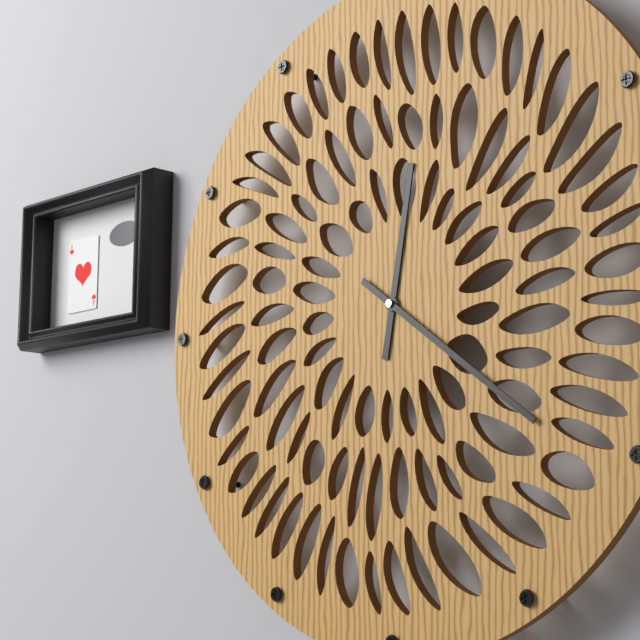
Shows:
{"hour": 12, "minute": 21}
